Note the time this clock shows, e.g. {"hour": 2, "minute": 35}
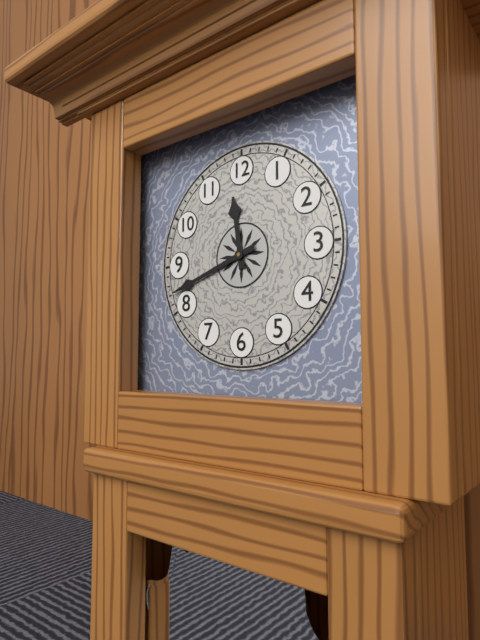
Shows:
{"hour": 11, "minute": 42}
